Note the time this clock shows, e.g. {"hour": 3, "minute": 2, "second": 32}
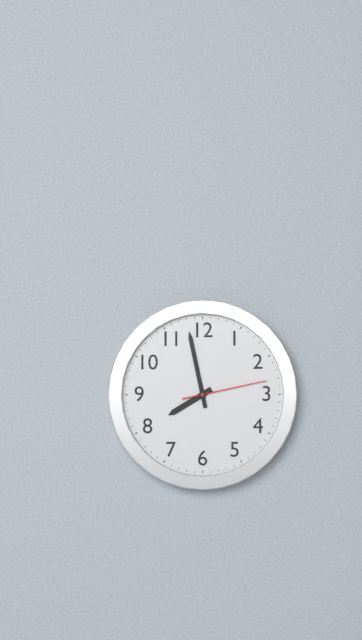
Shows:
{"hour": 7, "minute": 58, "second": 13}
